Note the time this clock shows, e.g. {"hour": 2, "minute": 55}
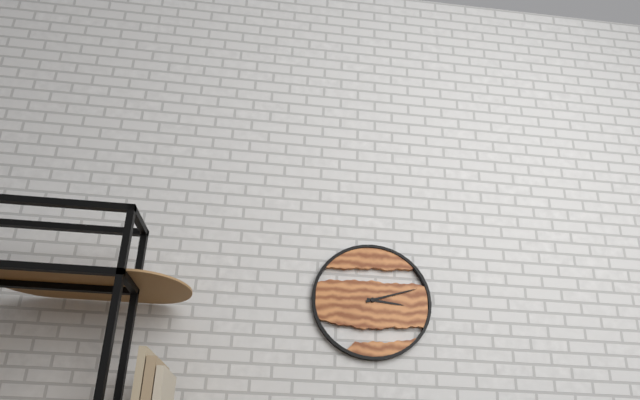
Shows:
{"hour": 3, "minute": 12}
